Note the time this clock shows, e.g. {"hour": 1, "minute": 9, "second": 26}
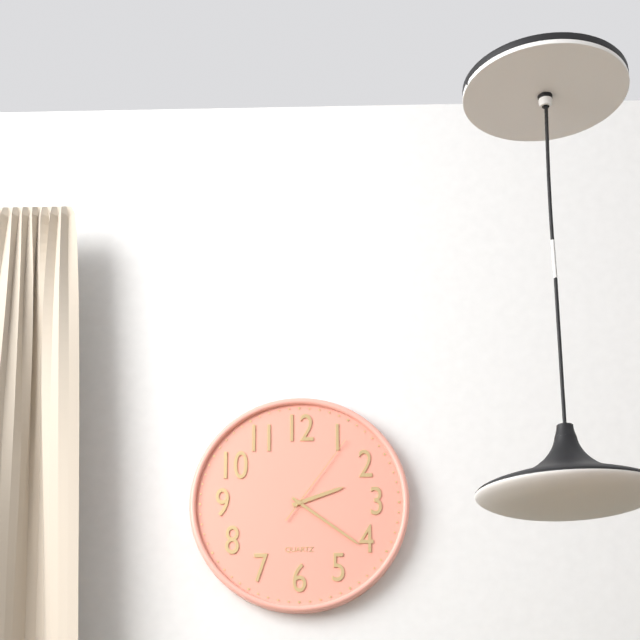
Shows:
{"hour": 2, "minute": 21, "second": 6}
